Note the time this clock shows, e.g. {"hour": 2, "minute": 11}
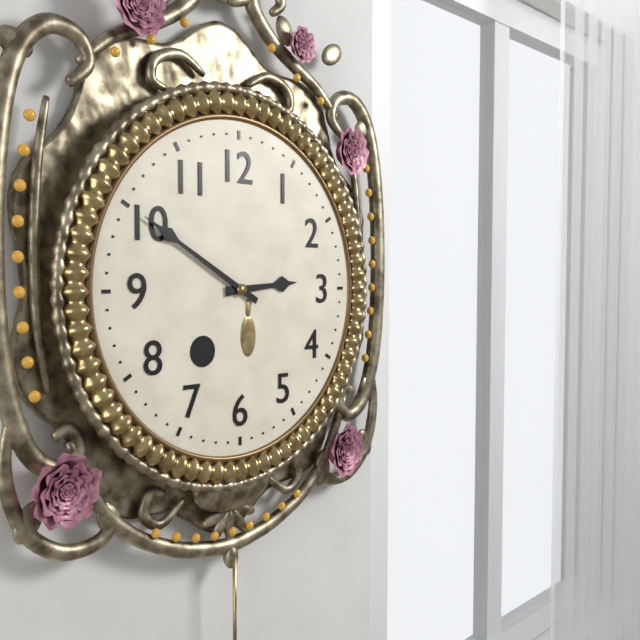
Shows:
{"hour": 2, "minute": 50}
